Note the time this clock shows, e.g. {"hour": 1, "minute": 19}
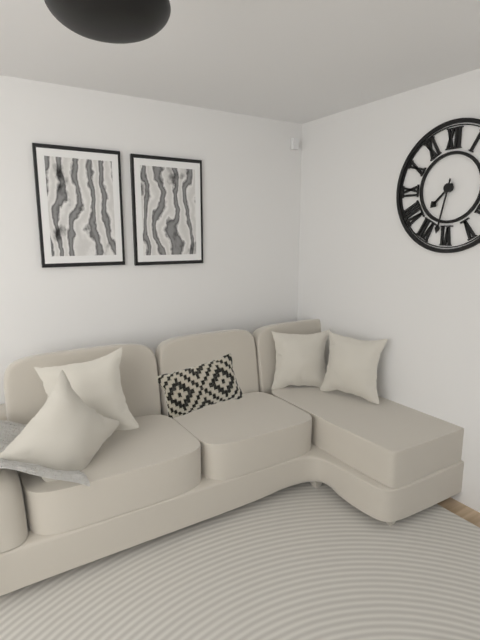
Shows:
{"hour": 7, "minute": 32}
